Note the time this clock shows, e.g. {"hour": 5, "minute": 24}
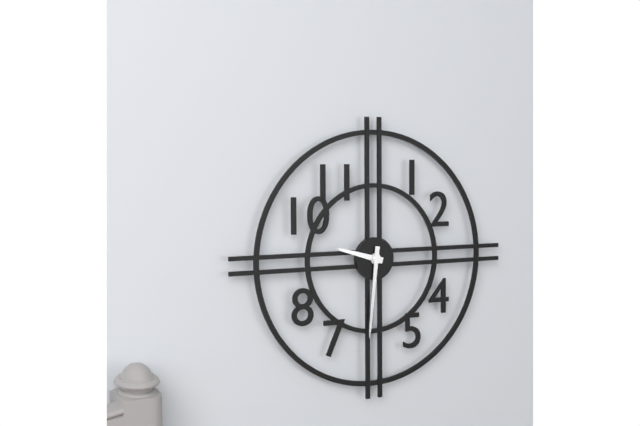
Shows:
{"hour": 9, "minute": 31}
